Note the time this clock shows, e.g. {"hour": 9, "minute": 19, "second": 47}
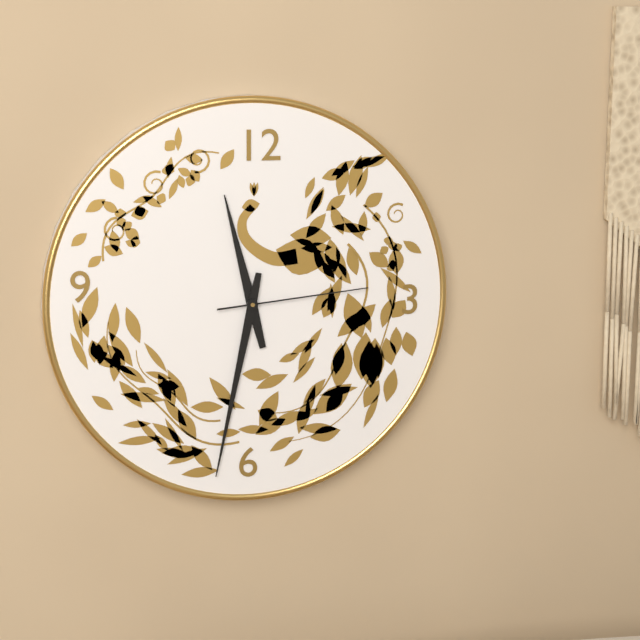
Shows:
{"hour": 11, "minute": 32, "second": 14}
